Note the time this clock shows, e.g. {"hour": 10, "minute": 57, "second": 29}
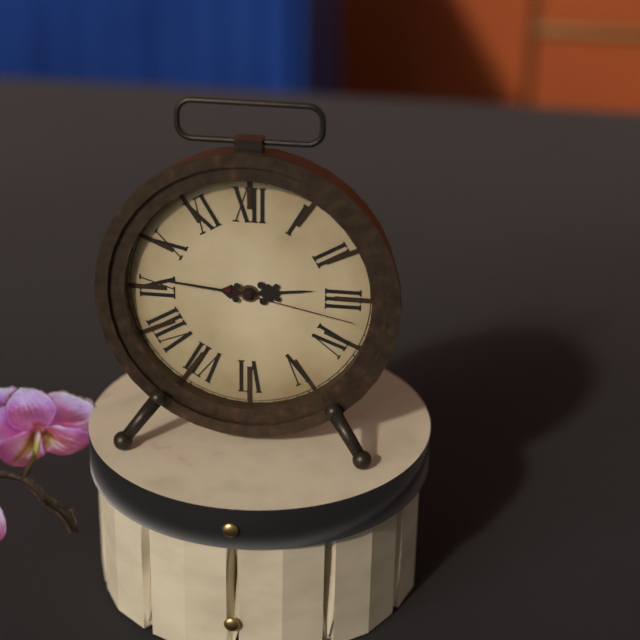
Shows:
{"hour": 2, "minute": 46, "second": 17}
